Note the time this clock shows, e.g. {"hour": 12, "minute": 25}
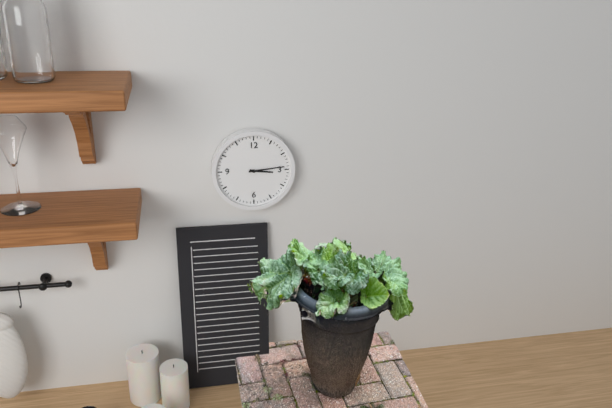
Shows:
{"hour": 3, "minute": 14}
